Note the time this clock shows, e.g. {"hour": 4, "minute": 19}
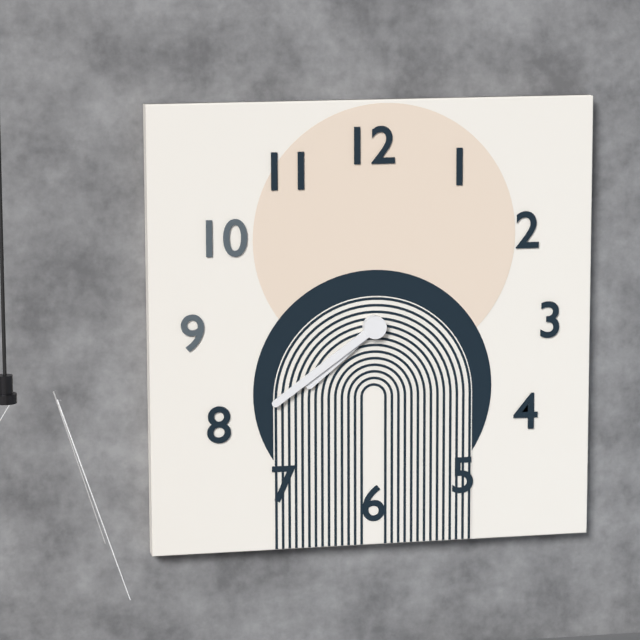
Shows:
{"hour": 7, "minute": 39}
